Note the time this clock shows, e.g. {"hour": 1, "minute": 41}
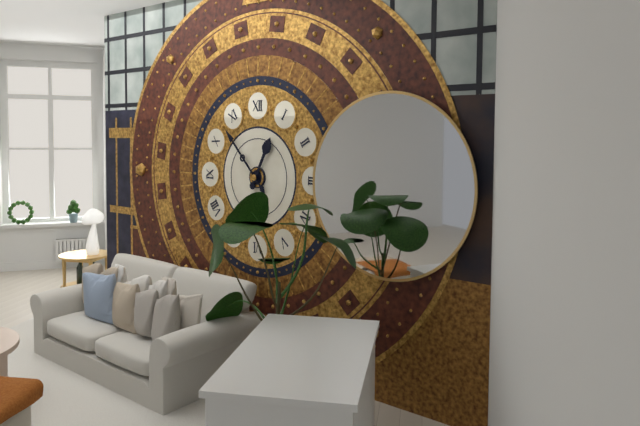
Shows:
{"hour": 12, "minute": 53}
